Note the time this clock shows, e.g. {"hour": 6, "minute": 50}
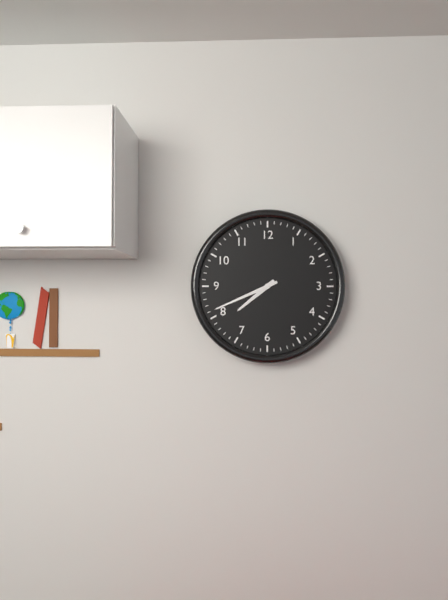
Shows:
{"hour": 7, "minute": 41}
